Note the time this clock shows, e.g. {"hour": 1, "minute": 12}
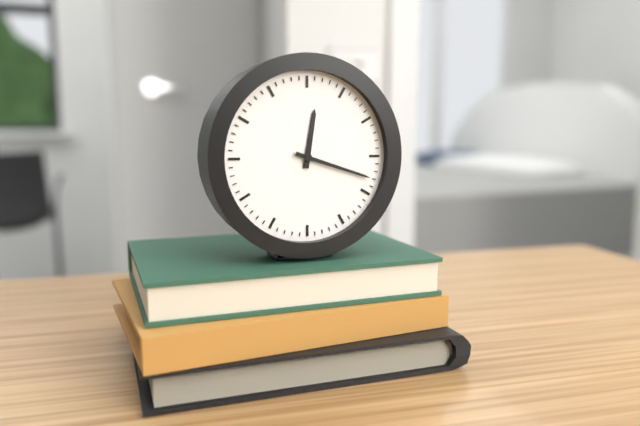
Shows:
{"hour": 12, "minute": 18}
